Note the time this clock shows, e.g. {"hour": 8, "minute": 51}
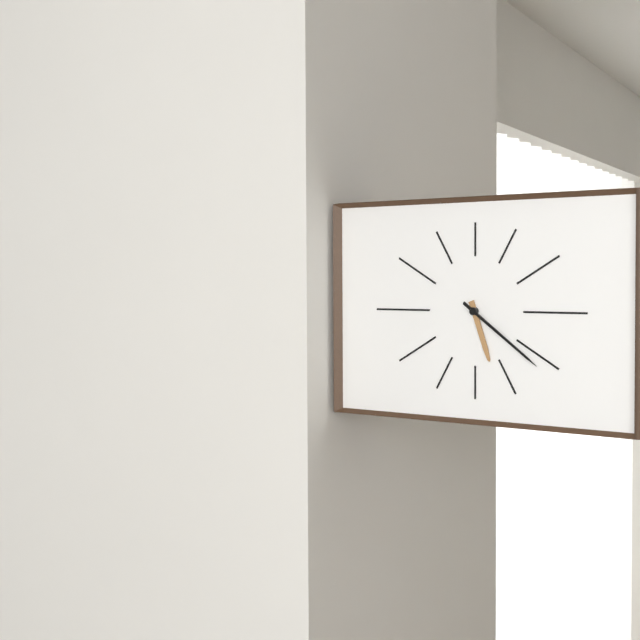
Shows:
{"hour": 5, "minute": 21}
